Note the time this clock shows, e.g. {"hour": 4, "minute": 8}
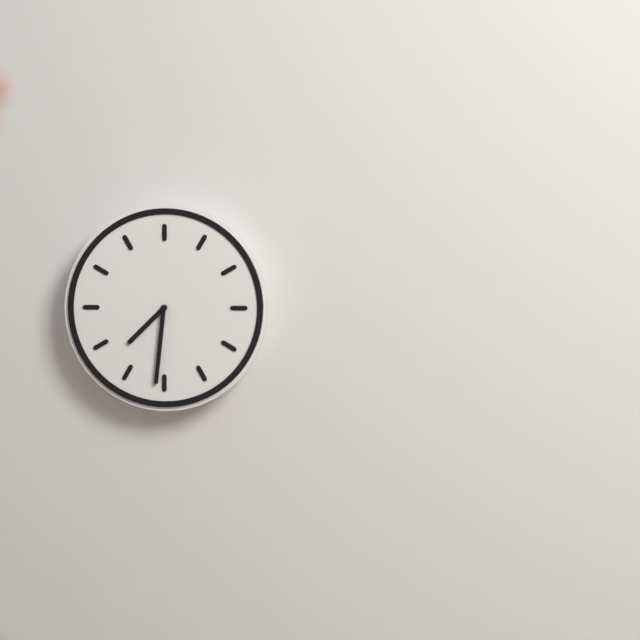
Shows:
{"hour": 7, "minute": 31}
